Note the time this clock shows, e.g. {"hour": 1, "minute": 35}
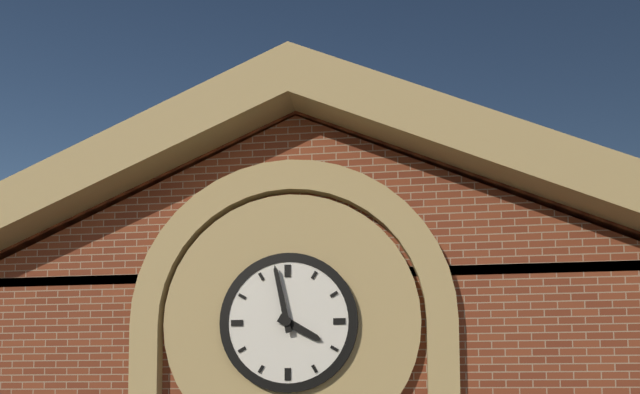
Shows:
{"hour": 3, "minute": 58}
